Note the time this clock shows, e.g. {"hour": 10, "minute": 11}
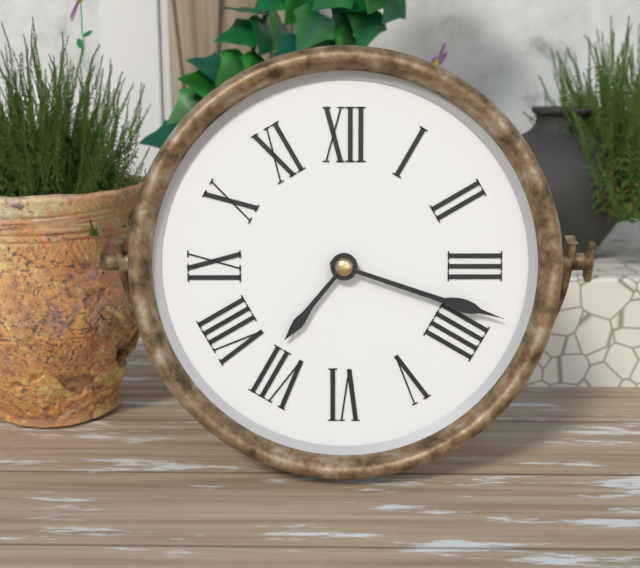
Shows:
{"hour": 7, "minute": 18}
